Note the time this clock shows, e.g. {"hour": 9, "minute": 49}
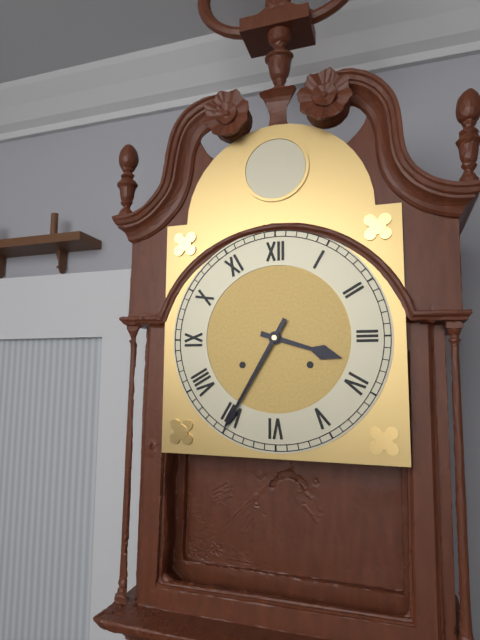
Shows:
{"hour": 3, "minute": 35}
